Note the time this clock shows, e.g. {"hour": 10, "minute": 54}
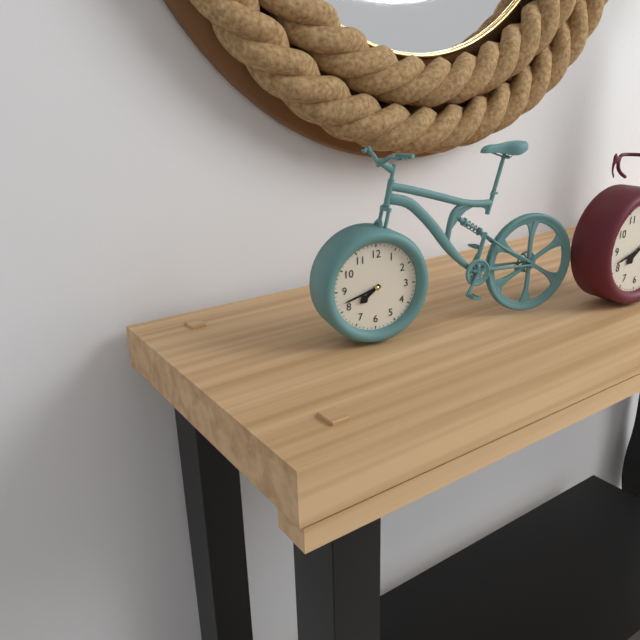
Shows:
{"hour": 7, "minute": 42}
